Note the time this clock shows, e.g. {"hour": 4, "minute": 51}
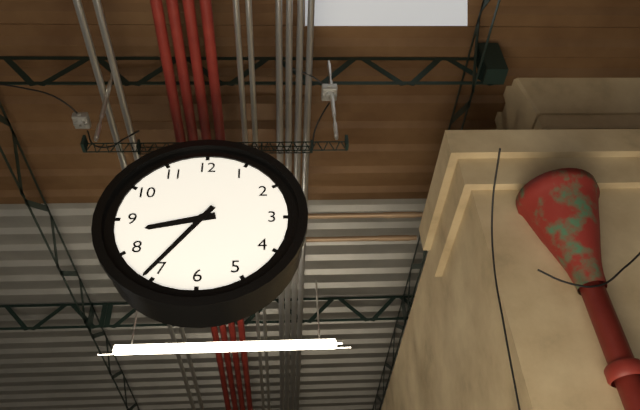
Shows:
{"hour": 8, "minute": 36}
